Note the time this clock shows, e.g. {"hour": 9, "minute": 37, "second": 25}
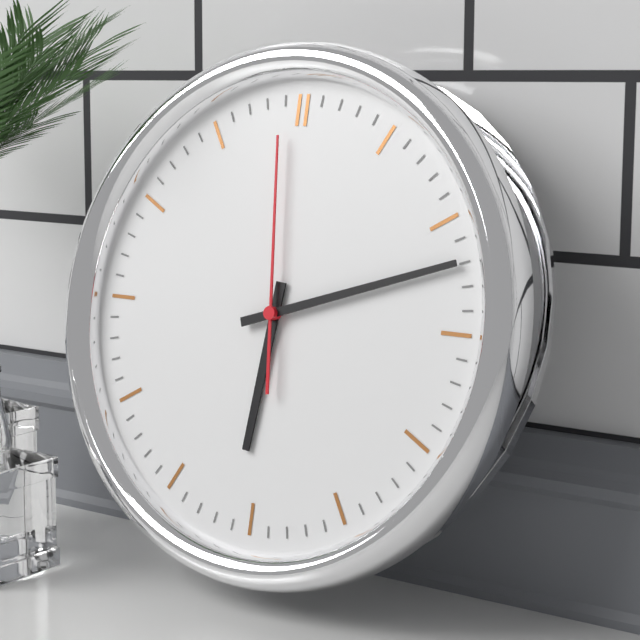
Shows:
{"hour": 6, "minute": 12, "second": 59}
